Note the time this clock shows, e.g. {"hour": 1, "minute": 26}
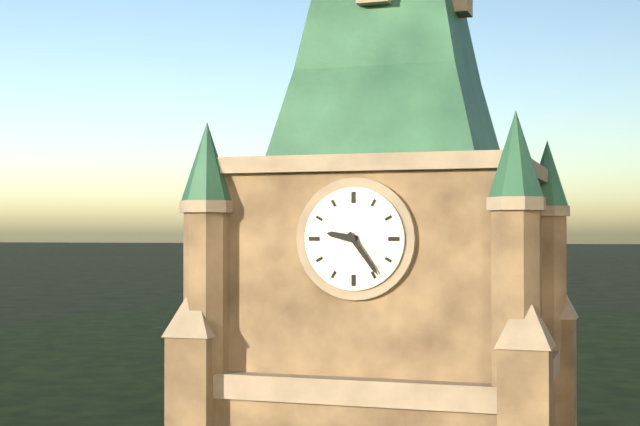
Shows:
{"hour": 9, "minute": 24}
